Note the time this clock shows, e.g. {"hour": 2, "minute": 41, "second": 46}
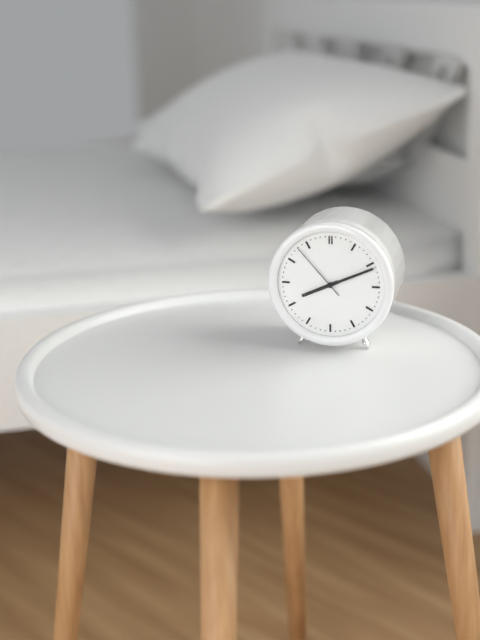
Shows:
{"hour": 8, "minute": 11, "second": 53}
